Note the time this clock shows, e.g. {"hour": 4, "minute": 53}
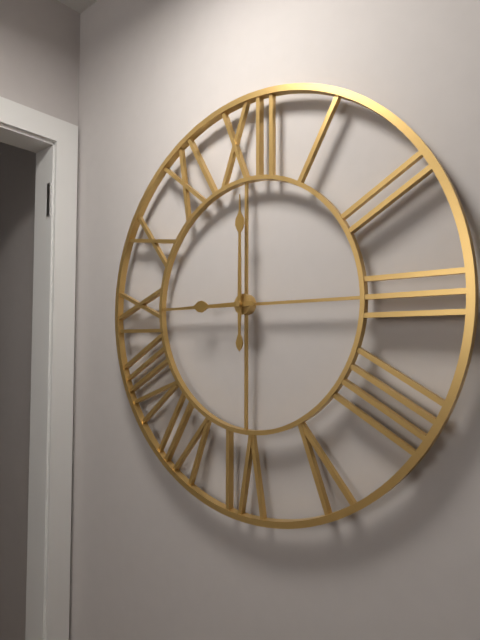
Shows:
{"hour": 9, "minute": 0}
